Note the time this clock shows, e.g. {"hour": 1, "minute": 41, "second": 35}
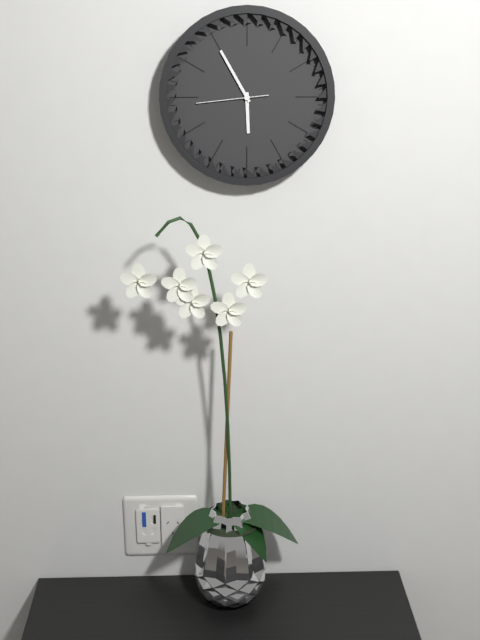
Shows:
{"hour": 5, "minute": 55, "second": 44}
